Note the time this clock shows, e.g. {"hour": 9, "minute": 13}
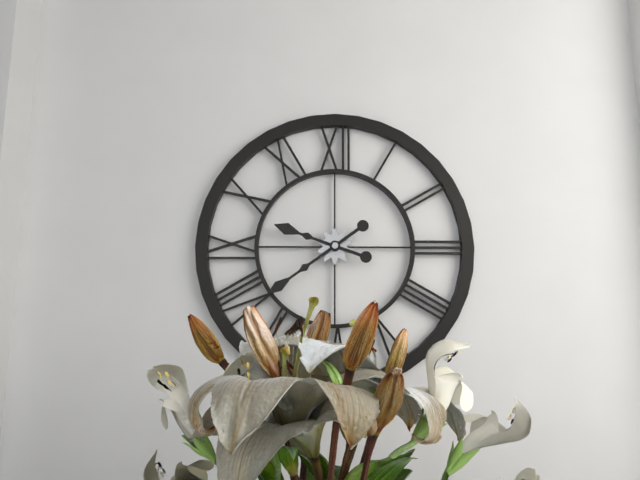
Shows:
{"hour": 9, "minute": 39}
